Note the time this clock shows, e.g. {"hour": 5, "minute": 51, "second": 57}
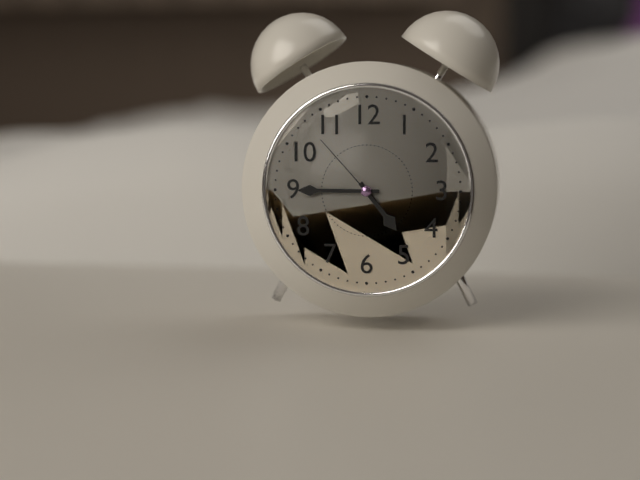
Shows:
{"hour": 4, "minute": 45, "second": 53}
